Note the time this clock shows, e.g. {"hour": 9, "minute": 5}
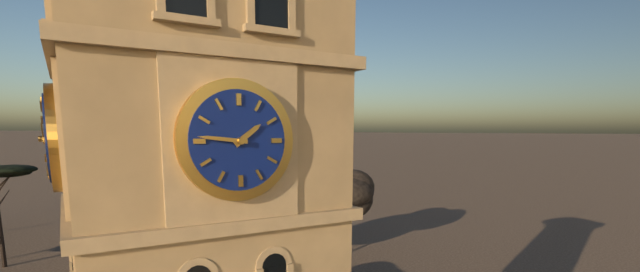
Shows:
{"hour": 1, "minute": 46}
